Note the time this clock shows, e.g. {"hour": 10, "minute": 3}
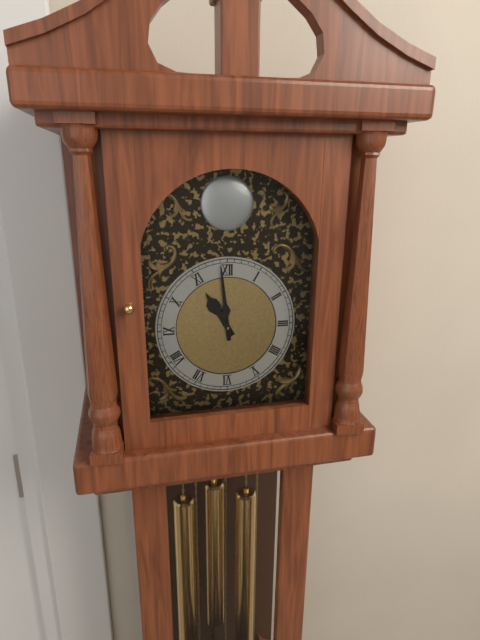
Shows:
{"hour": 10, "minute": 59}
